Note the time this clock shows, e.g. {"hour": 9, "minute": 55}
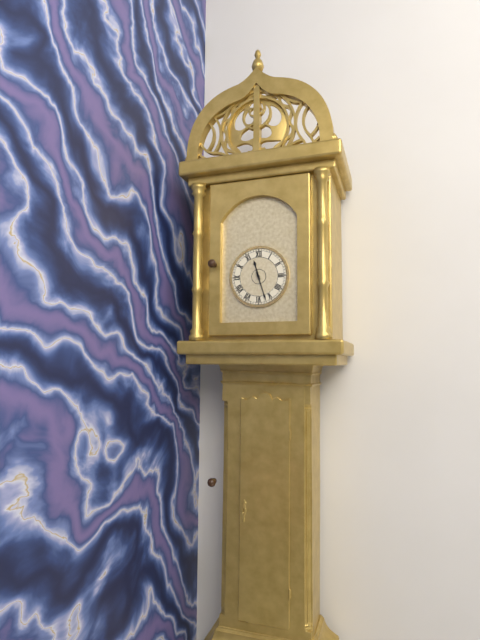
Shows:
{"hour": 11, "minute": 27}
